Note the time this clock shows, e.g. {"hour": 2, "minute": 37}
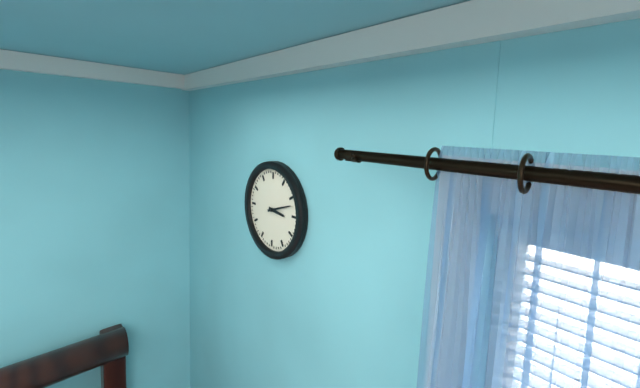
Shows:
{"hour": 3, "minute": 12}
